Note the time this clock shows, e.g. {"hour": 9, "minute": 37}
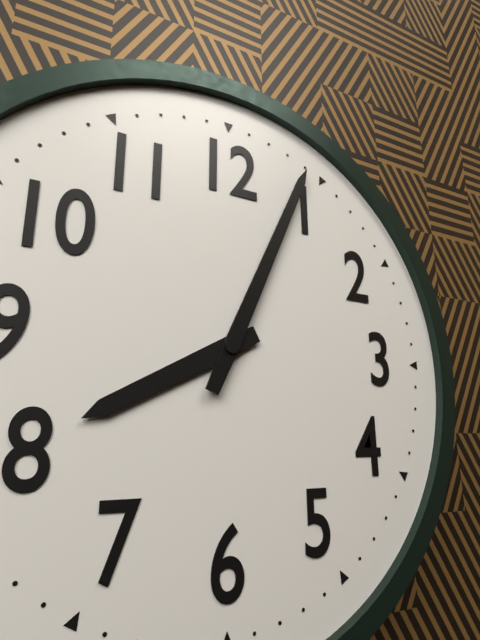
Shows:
{"hour": 8, "minute": 4}
